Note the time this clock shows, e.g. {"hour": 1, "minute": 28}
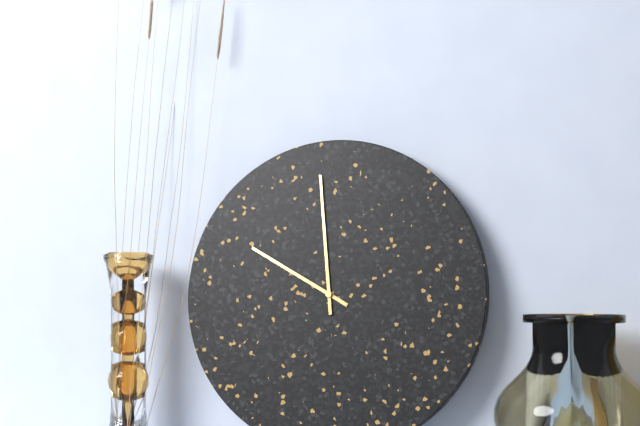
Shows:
{"hour": 9, "minute": 59}
